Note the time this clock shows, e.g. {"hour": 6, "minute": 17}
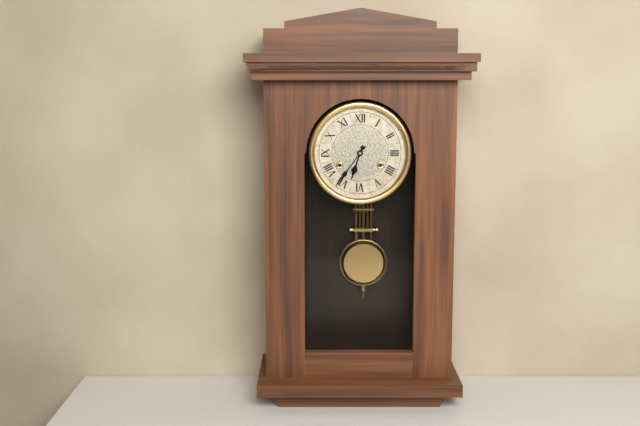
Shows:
{"hour": 6, "minute": 36}
